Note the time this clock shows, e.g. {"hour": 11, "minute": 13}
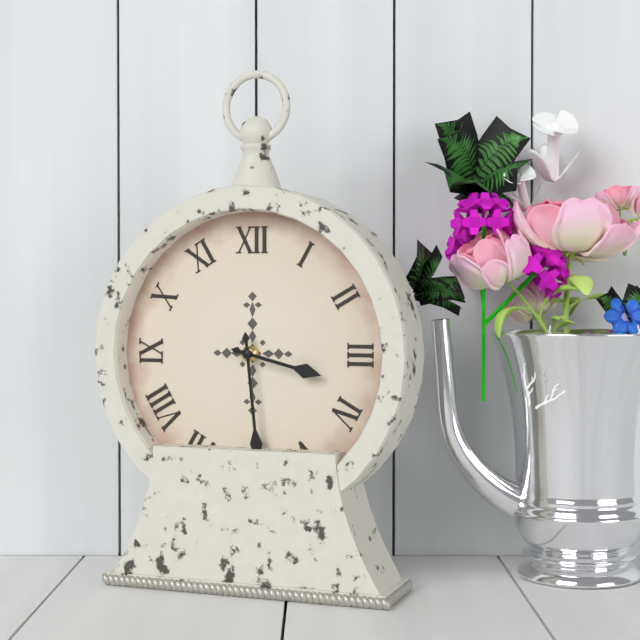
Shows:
{"hour": 3, "minute": 29}
